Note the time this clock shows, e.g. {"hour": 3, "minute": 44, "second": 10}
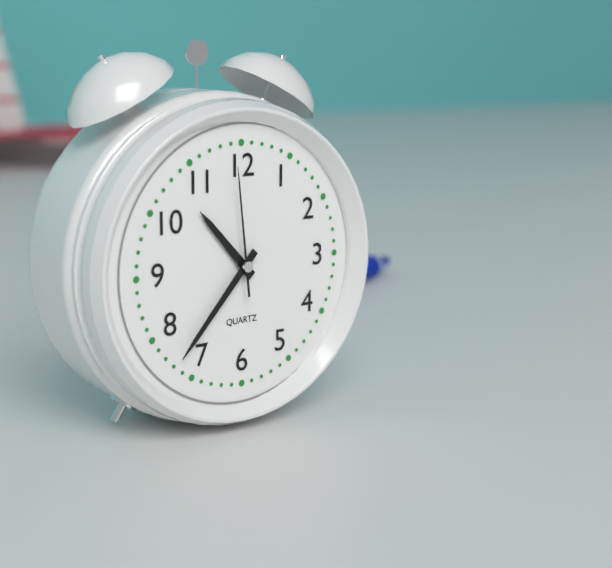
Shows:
{"hour": 10, "minute": 37, "second": 59}
